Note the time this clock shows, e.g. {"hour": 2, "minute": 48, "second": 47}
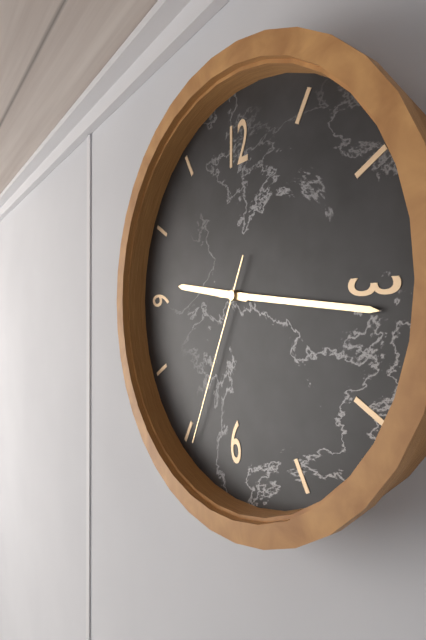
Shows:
{"hour": 9, "minute": 16, "second": 34}
